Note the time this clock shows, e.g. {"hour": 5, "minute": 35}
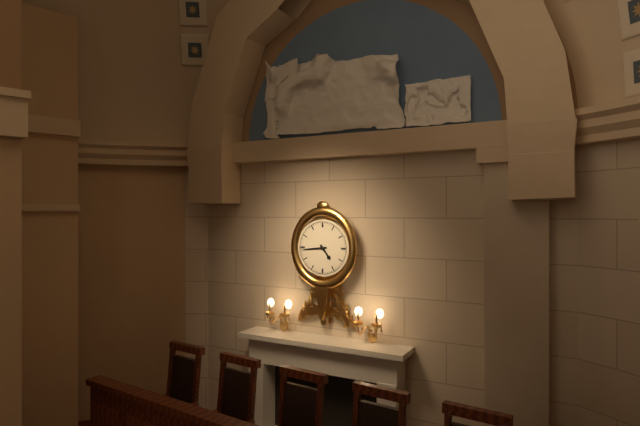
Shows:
{"hour": 4, "minute": 44}
